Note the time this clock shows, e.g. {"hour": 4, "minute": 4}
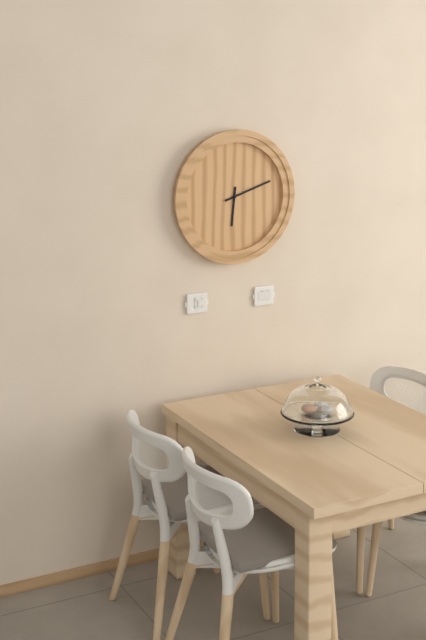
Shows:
{"hour": 6, "minute": 12}
